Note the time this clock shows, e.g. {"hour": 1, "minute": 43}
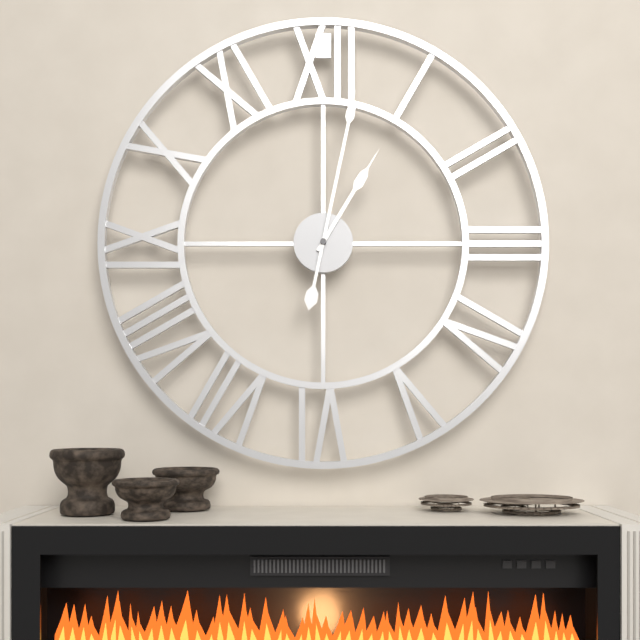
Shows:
{"hour": 1, "minute": 2}
